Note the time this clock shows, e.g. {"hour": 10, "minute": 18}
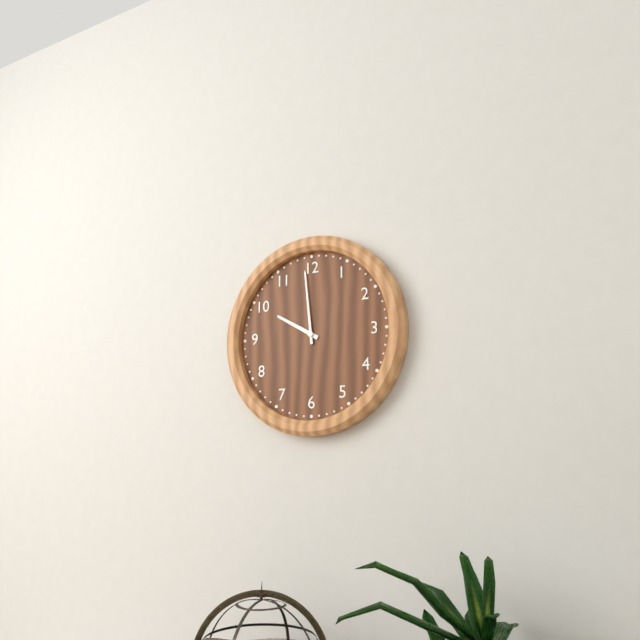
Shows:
{"hour": 9, "minute": 59}
